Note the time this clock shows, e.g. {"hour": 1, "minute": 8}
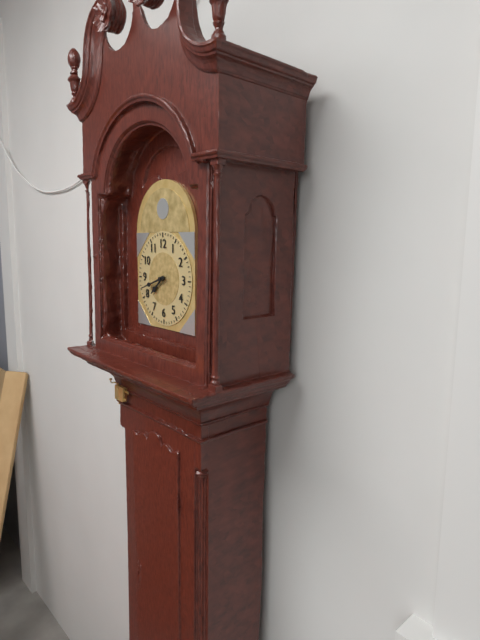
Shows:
{"hour": 7, "minute": 42}
